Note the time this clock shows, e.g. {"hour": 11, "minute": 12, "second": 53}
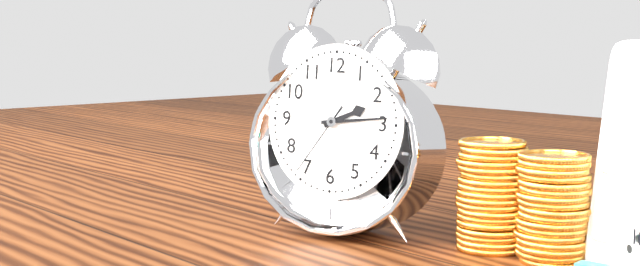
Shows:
{"hour": 2, "minute": 14, "second": 36}
